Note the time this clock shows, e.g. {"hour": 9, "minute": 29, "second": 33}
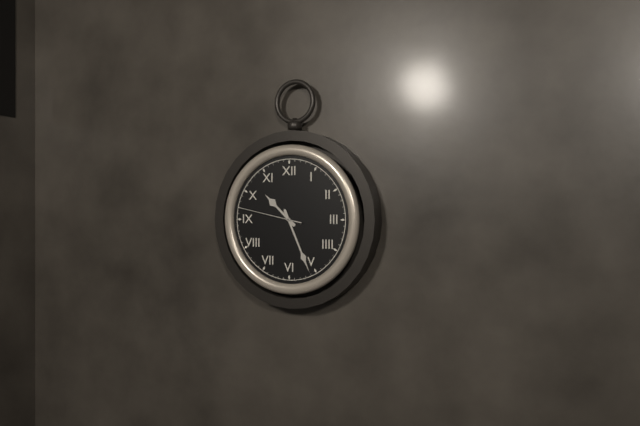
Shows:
{"hour": 10, "minute": 26, "second": 47}
